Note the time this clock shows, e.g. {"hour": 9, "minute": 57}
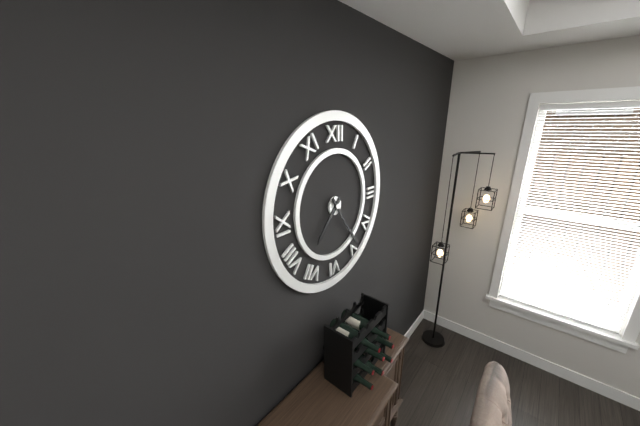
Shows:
{"hour": 7, "minute": 24}
